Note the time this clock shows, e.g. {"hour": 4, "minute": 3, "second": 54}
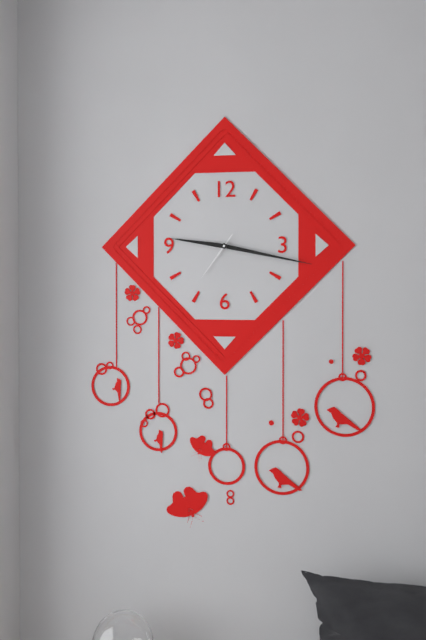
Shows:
{"hour": 9, "minute": 17, "second": 36}
